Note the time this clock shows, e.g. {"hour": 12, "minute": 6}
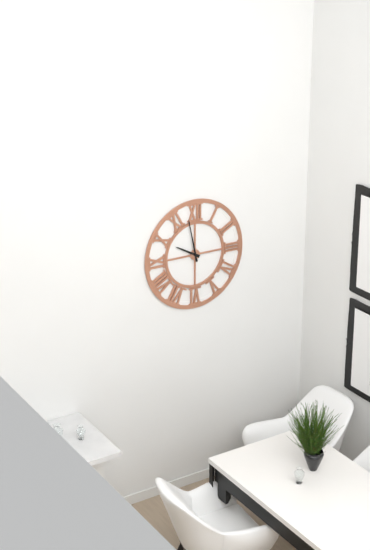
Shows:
{"hour": 9, "minute": 58}
